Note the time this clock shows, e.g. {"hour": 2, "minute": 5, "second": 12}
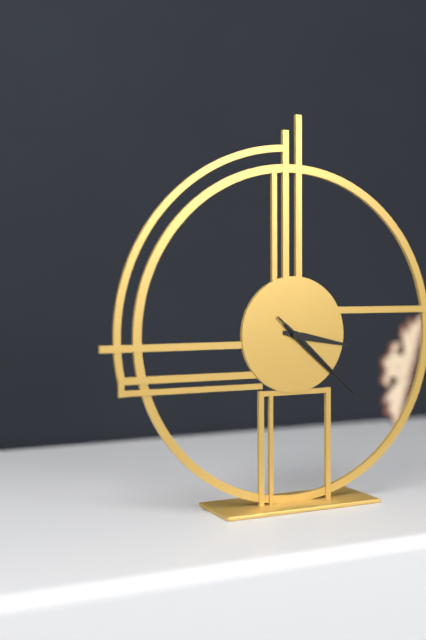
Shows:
{"hour": 3, "minute": 22, "second": 22}
